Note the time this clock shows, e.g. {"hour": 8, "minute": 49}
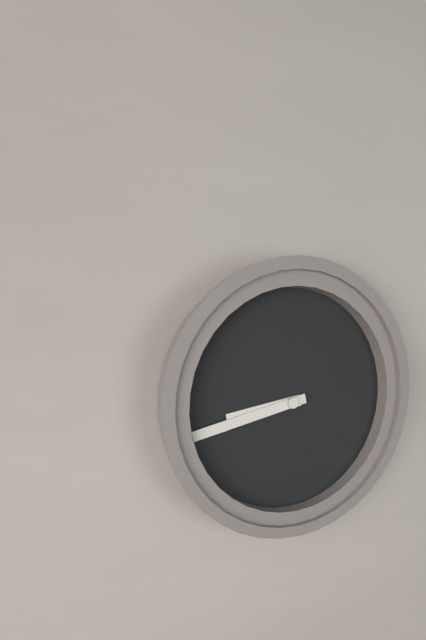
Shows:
{"hour": 8, "minute": 43}
